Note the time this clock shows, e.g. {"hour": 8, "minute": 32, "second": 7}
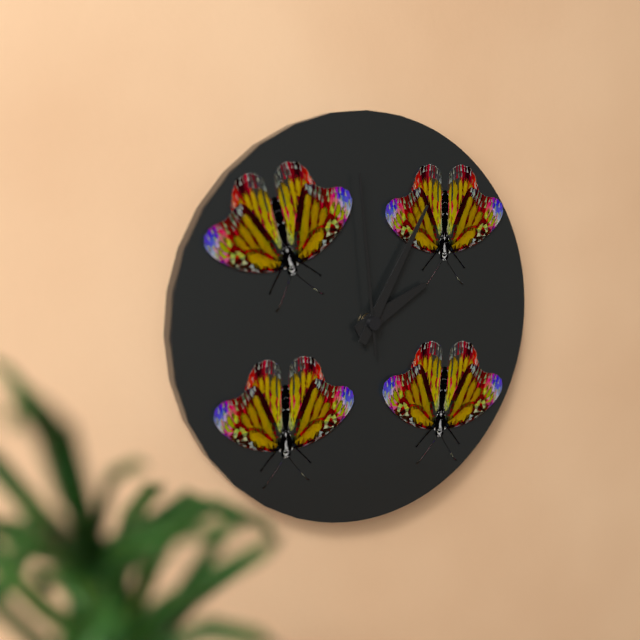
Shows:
{"hour": 2, "minute": 5, "second": 59}
